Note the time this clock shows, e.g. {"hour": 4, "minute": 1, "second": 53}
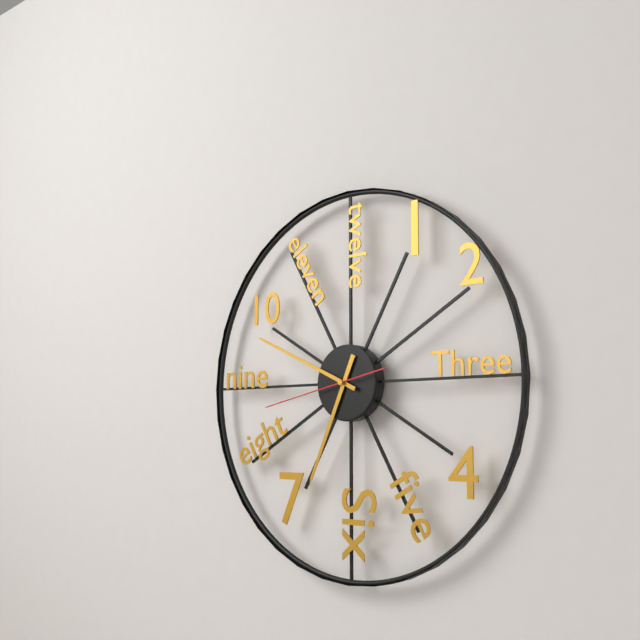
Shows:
{"hour": 6, "minute": 49, "second": 43}
